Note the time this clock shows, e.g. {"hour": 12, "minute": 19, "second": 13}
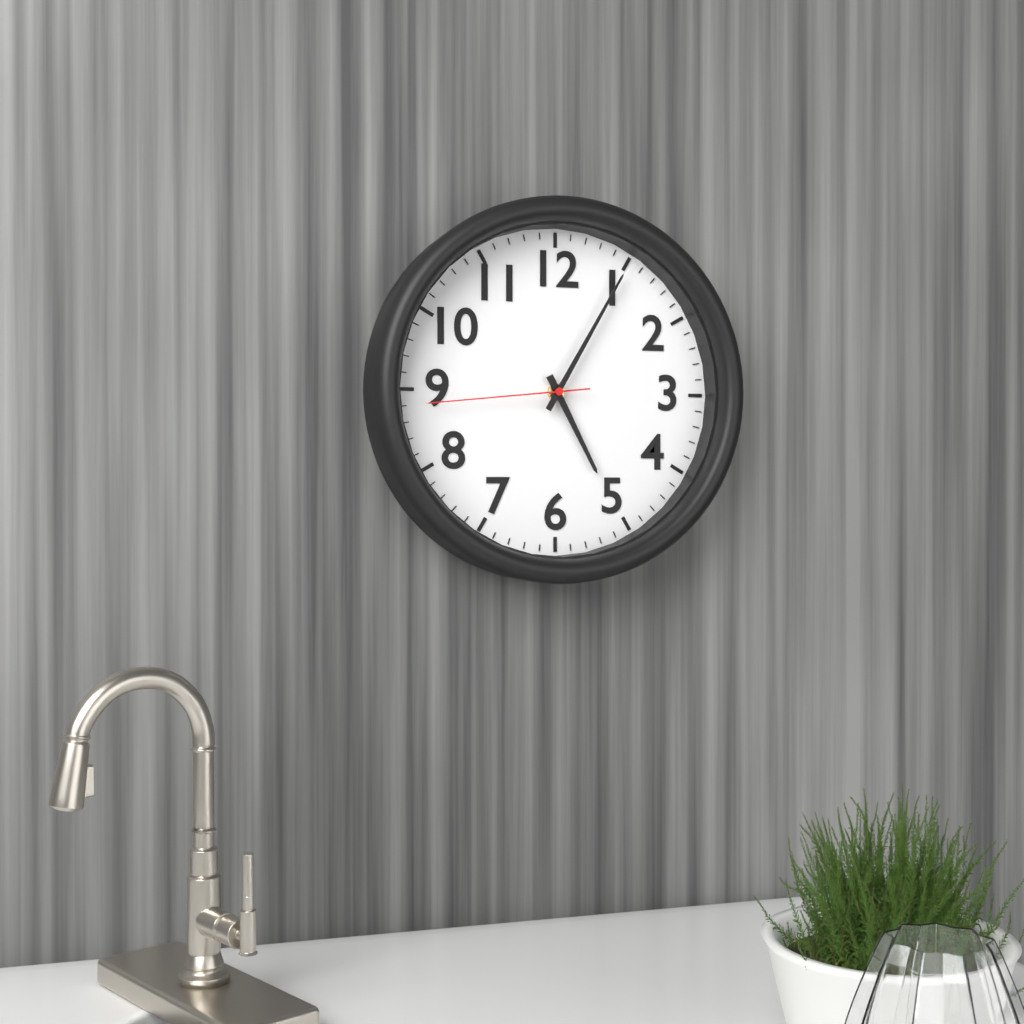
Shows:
{"hour": 5, "minute": 5, "second": 44}
